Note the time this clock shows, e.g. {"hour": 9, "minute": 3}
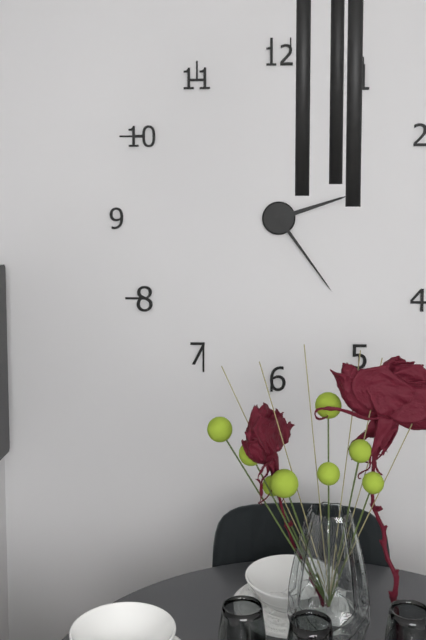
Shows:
{"hour": 2, "minute": 24}
